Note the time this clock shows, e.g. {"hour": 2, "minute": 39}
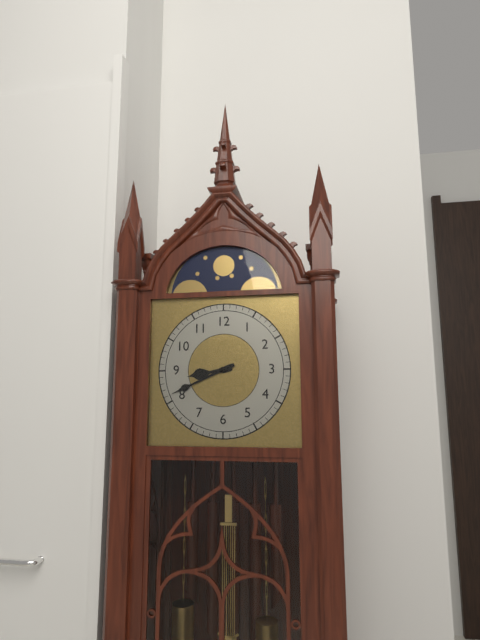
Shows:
{"hour": 8, "minute": 41}
